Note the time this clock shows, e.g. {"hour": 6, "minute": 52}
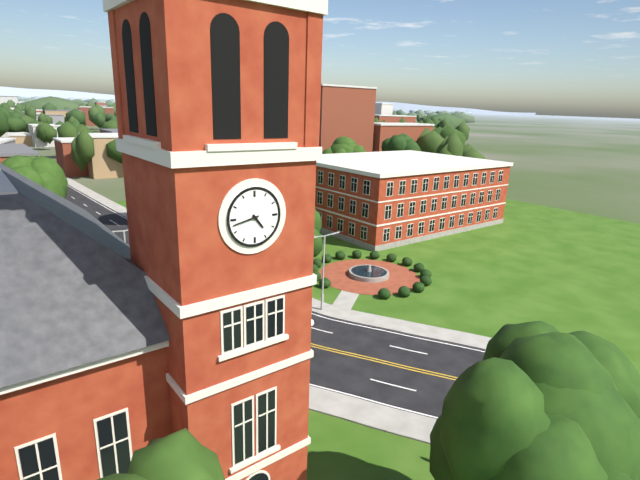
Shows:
{"hour": 4, "minute": 43}
